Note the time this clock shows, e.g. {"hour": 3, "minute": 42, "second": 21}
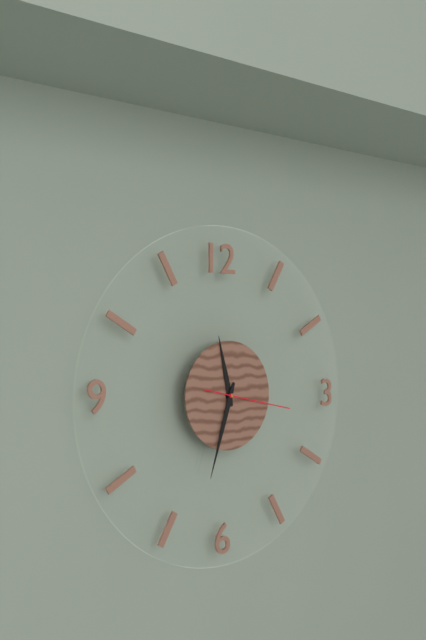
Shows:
{"hour": 11, "minute": 33, "second": 17}
